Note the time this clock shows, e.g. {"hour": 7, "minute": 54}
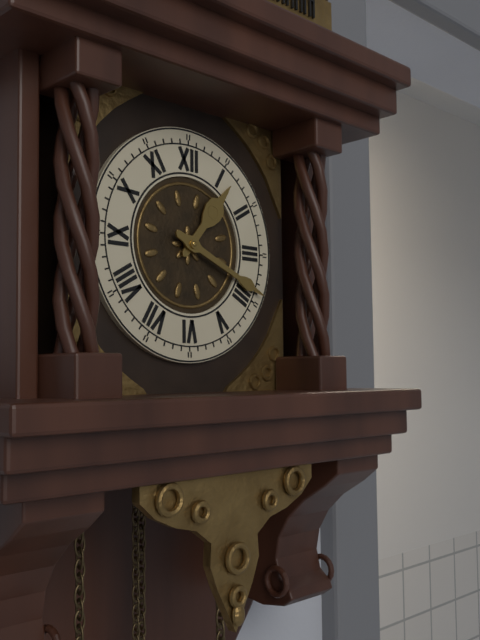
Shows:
{"hour": 1, "minute": 19}
